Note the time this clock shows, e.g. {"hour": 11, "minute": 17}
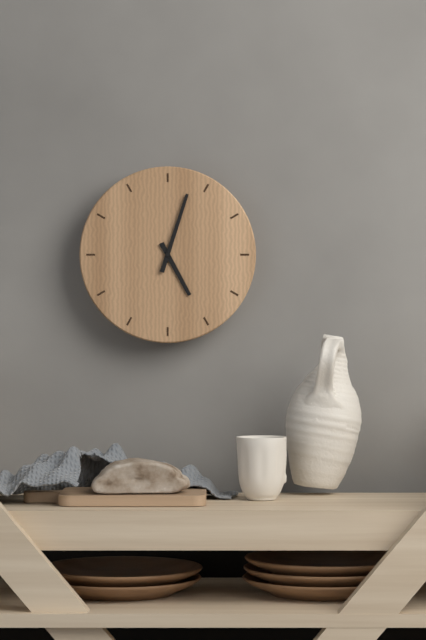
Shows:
{"hour": 5, "minute": 3}
